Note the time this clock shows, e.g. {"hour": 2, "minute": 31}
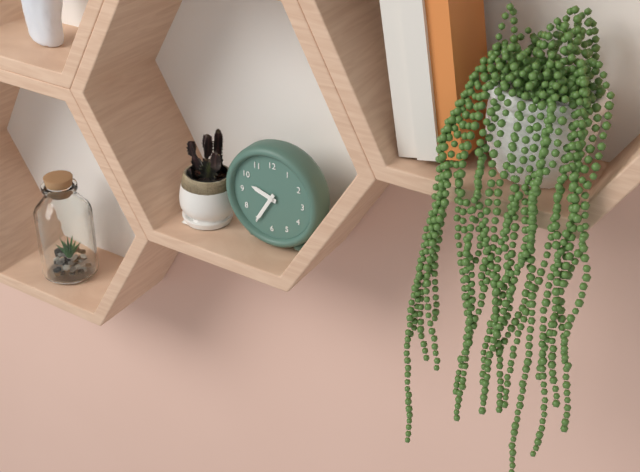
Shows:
{"hour": 9, "minute": 35}
